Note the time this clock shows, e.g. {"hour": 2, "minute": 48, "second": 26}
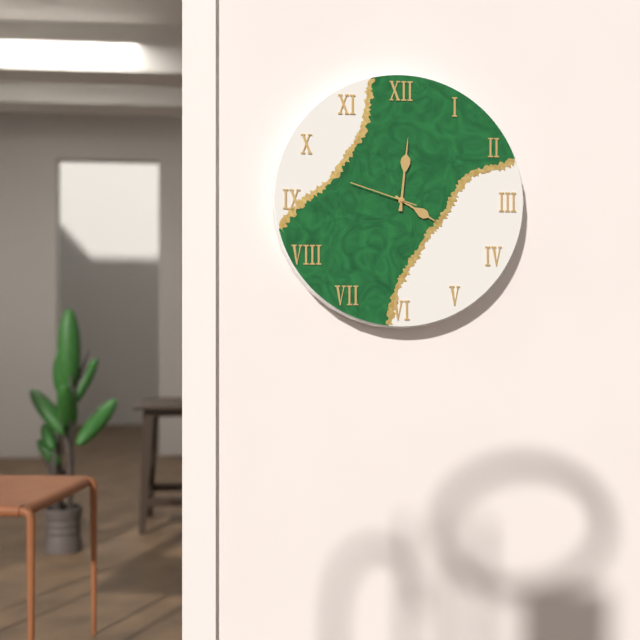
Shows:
{"hour": 4, "minute": 1, "second": 48}
